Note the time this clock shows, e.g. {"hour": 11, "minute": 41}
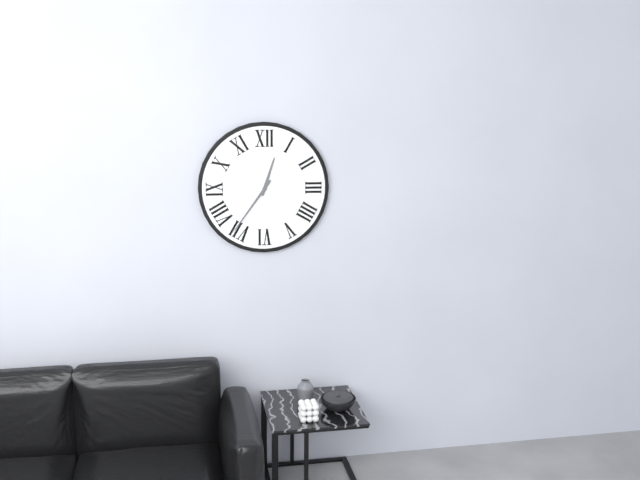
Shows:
{"hour": 12, "minute": 36}
